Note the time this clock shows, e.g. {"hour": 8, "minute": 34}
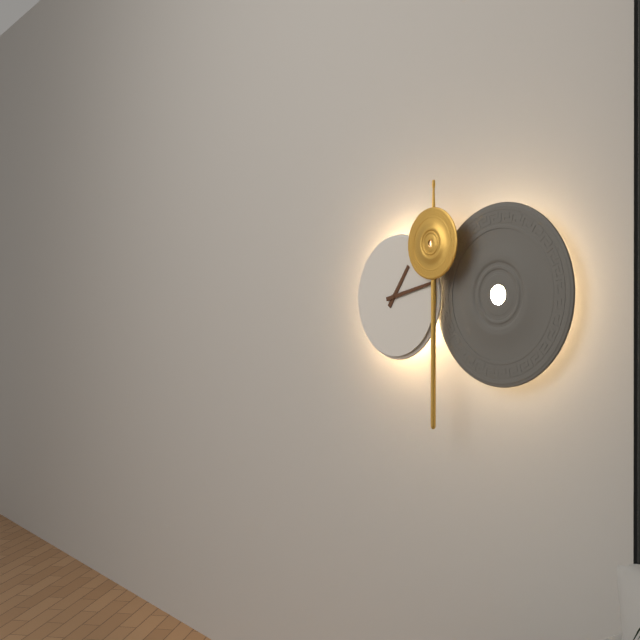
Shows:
{"hour": 1, "minute": 13}
